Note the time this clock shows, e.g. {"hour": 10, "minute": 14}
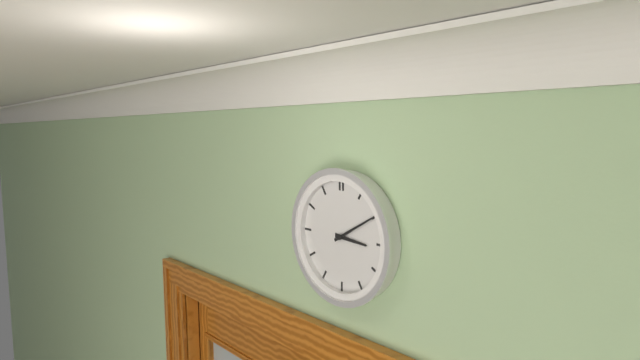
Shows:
{"hour": 3, "minute": 10}
